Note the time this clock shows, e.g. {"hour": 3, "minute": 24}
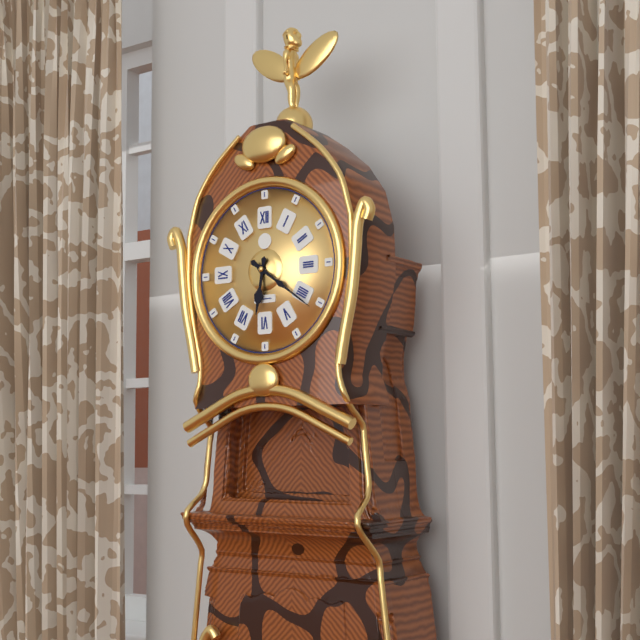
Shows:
{"hour": 6, "minute": 21}
